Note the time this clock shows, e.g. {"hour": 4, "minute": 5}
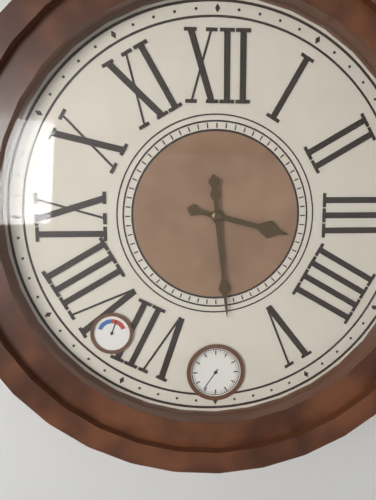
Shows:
{"hour": 3, "minute": 29}
